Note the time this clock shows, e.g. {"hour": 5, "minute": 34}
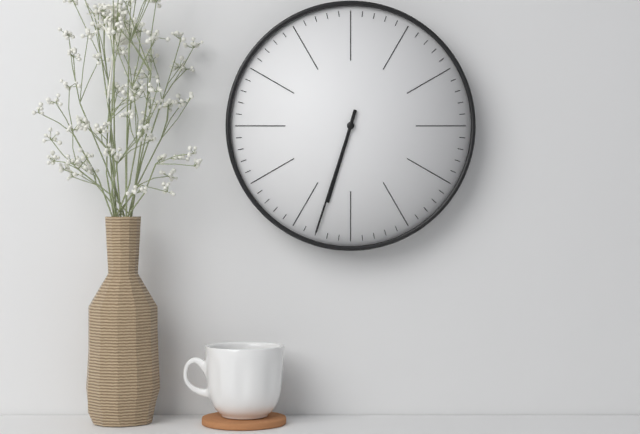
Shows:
{"hour": 6, "minute": 33}
